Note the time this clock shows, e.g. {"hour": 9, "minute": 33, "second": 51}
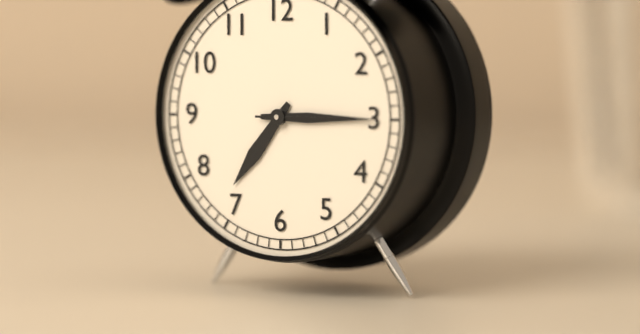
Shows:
{"hour": 7, "minute": 15, "second": 15}
